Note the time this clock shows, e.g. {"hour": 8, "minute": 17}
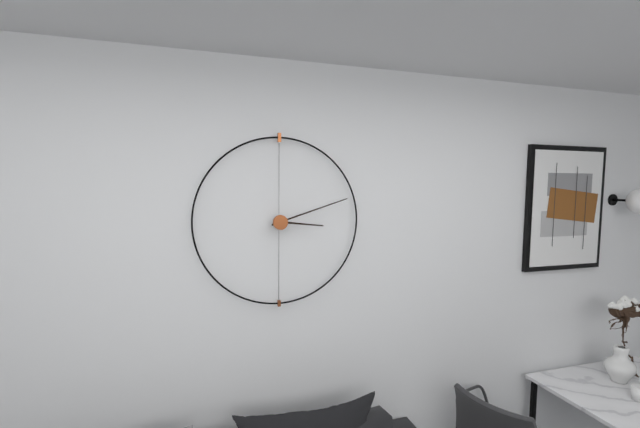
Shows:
{"hour": 3, "minute": 12}
